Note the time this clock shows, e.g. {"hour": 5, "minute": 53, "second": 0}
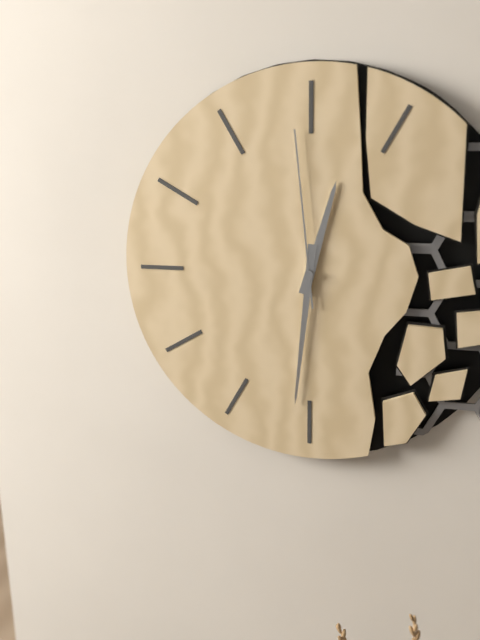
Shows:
{"hour": 12, "minute": 31, "second": 59}
